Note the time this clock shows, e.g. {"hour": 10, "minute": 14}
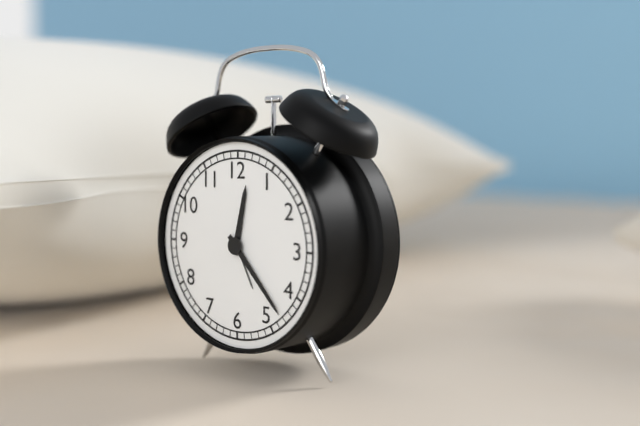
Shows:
{"hour": 12, "minute": 23}
